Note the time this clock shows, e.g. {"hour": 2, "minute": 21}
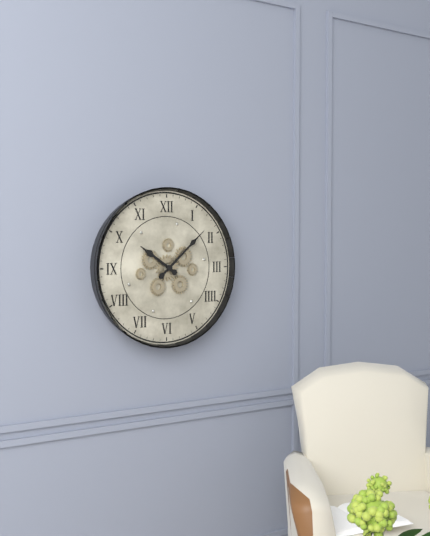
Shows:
{"hour": 10, "minute": 8}
